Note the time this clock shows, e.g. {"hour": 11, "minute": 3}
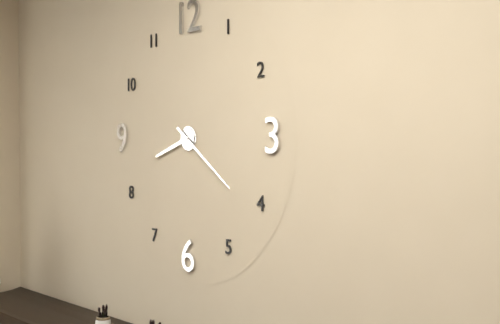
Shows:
{"hour": 8, "minute": 21}
